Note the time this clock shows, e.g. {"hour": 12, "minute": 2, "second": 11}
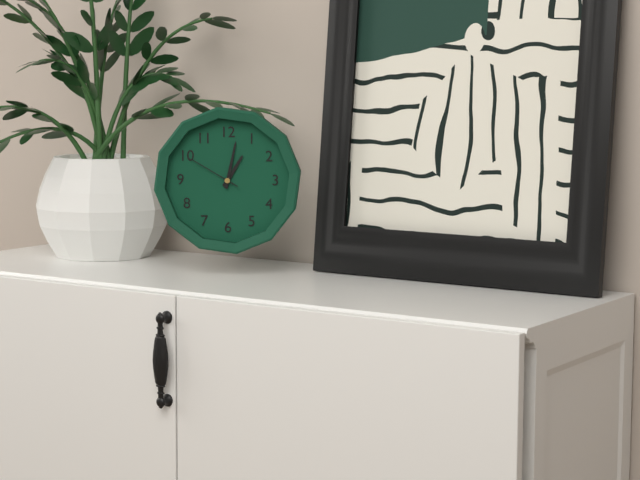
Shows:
{"hour": 1, "minute": 2, "second": 50}
